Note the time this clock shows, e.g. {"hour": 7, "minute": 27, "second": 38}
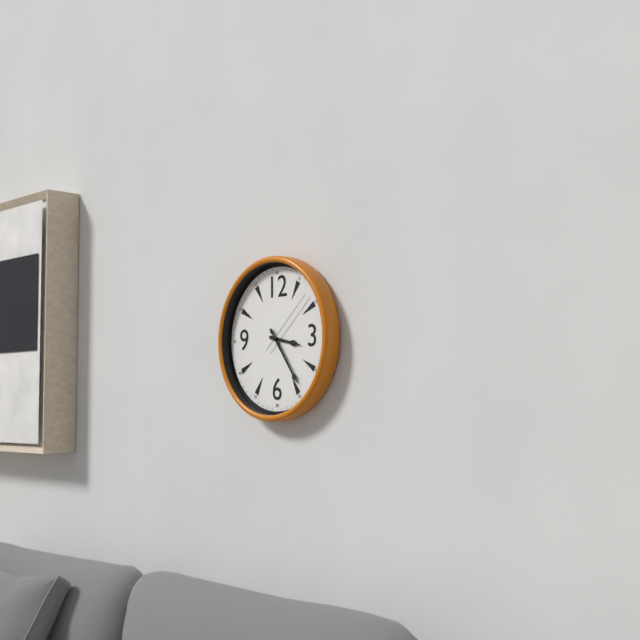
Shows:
{"hour": 3, "minute": 24, "second": 8}
